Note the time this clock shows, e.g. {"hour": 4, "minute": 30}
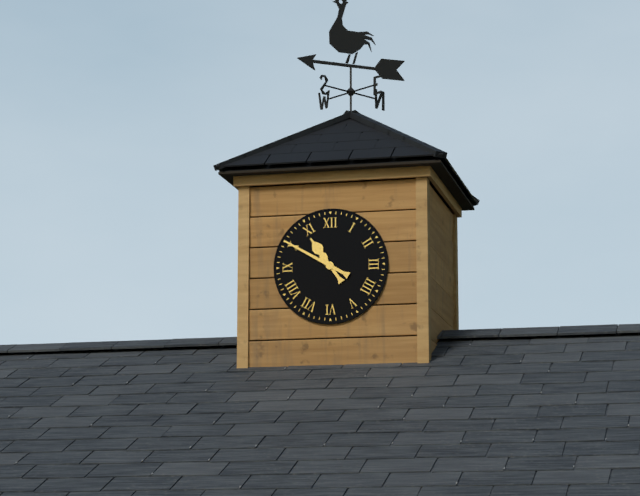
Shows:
{"hour": 10, "minute": 50}
